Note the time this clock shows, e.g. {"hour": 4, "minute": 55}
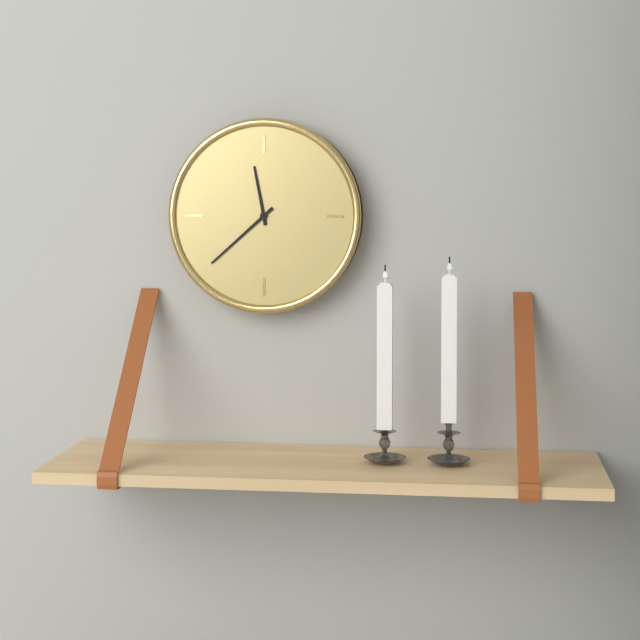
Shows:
{"hour": 11, "minute": 38}
